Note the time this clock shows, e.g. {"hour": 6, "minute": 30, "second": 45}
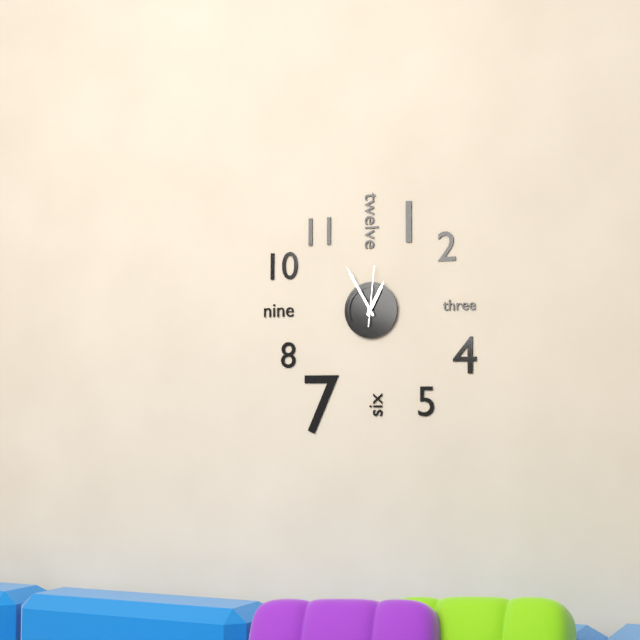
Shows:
{"hour": 12, "minute": 55, "second": 1}
